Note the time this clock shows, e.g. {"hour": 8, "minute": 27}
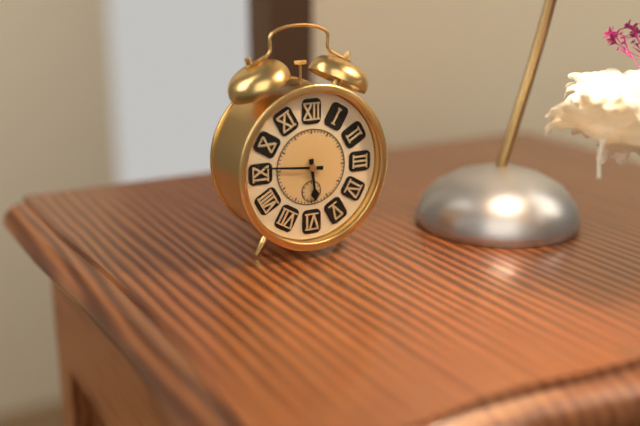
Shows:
{"hour": 5, "minute": 46}
